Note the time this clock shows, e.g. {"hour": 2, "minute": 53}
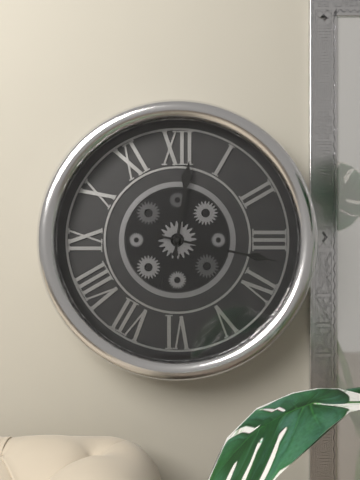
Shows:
{"hour": 12, "minute": 17}
